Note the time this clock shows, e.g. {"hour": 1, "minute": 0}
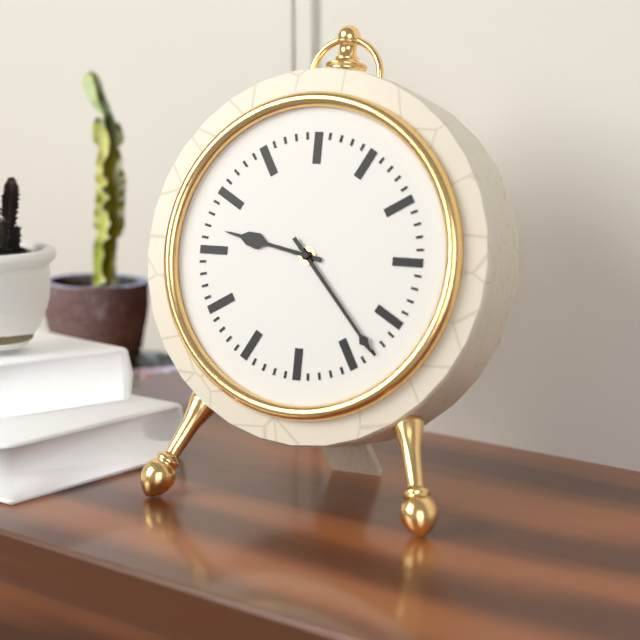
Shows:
{"hour": 9, "minute": 23}
